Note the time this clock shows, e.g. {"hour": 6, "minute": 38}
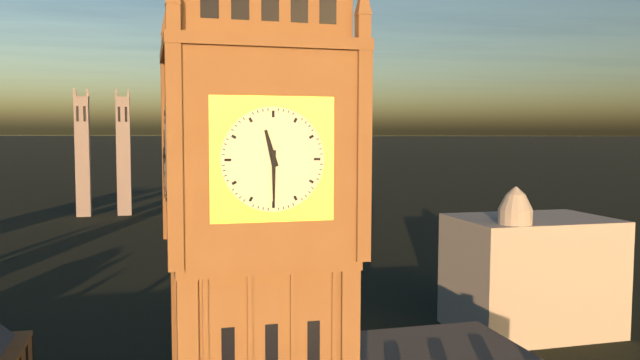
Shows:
{"hour": 11, "minute": 30}
